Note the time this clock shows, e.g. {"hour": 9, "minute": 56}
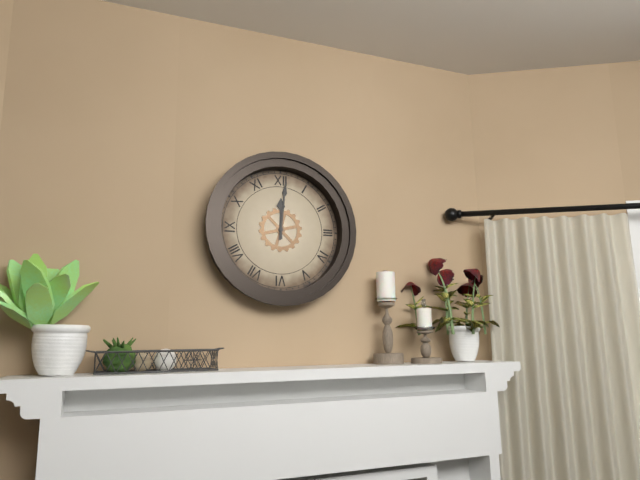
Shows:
{"hour": 12, "minute": 1}
